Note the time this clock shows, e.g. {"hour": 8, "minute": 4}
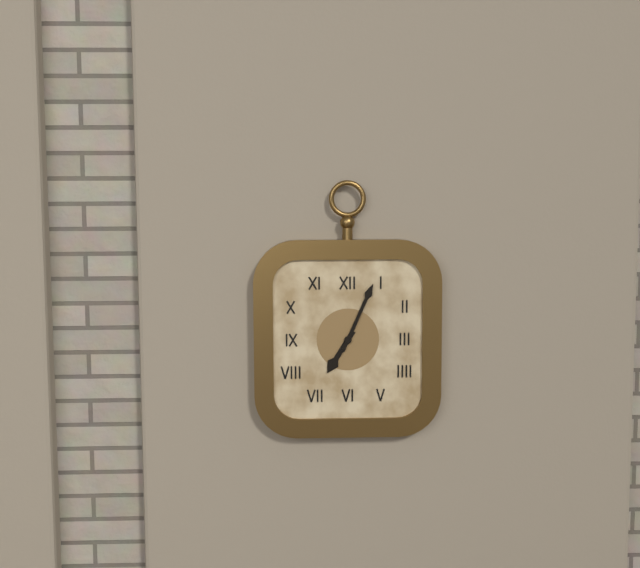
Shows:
{"hour": 7, "minute": 4}
